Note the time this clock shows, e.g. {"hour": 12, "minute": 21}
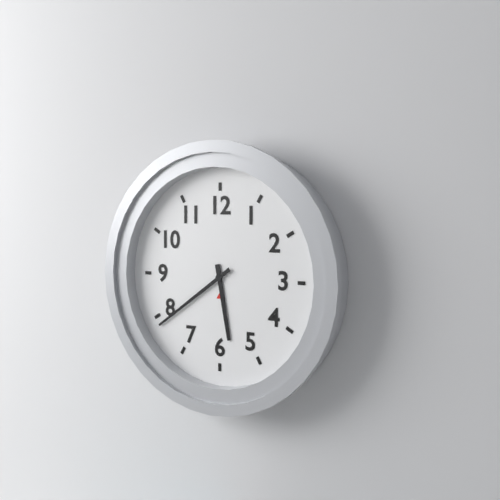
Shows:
{"hour": 5, "minute": 39}
